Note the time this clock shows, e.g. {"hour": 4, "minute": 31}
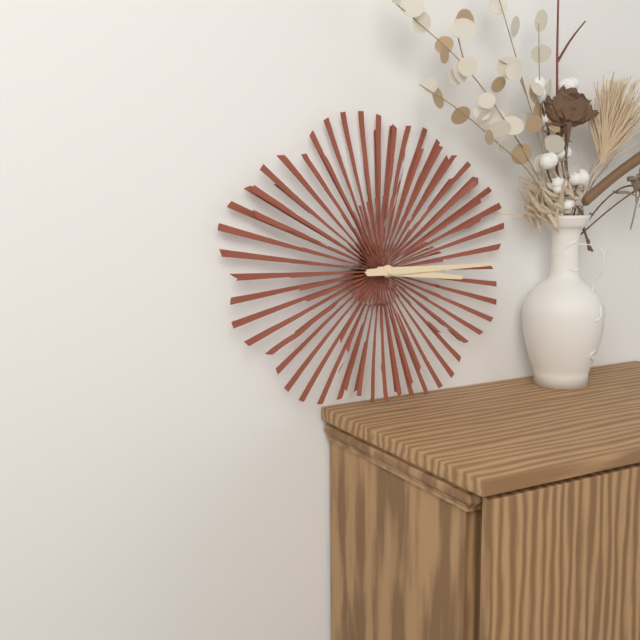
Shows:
{"hour": 3, "minute": 15}
